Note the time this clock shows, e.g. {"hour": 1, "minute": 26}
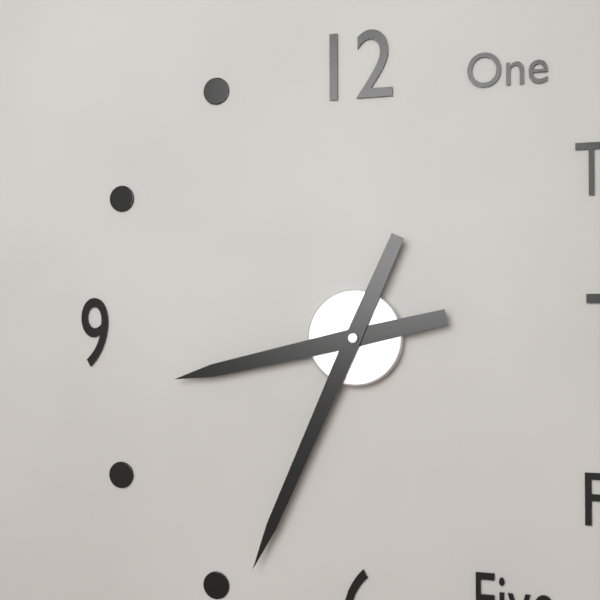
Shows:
{"hour": 8, "minute": 34}
